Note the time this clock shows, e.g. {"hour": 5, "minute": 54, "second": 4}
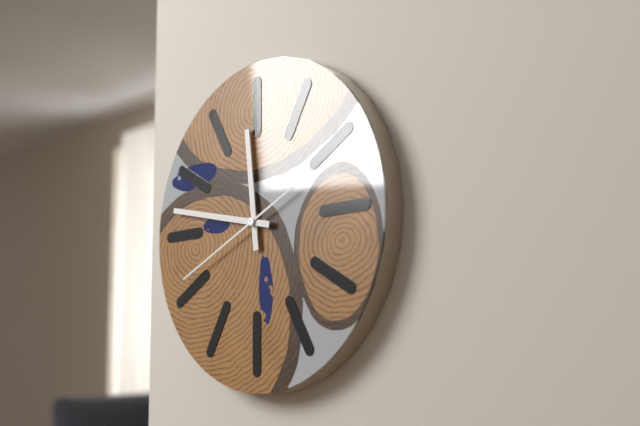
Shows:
{"hour": 11, "minute": 47, "second": 41}
